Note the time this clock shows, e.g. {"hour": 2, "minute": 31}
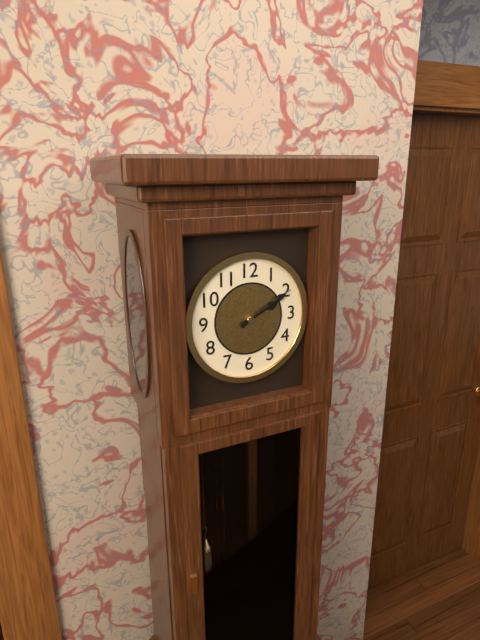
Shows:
{"hour": 2, "minute": 10}
